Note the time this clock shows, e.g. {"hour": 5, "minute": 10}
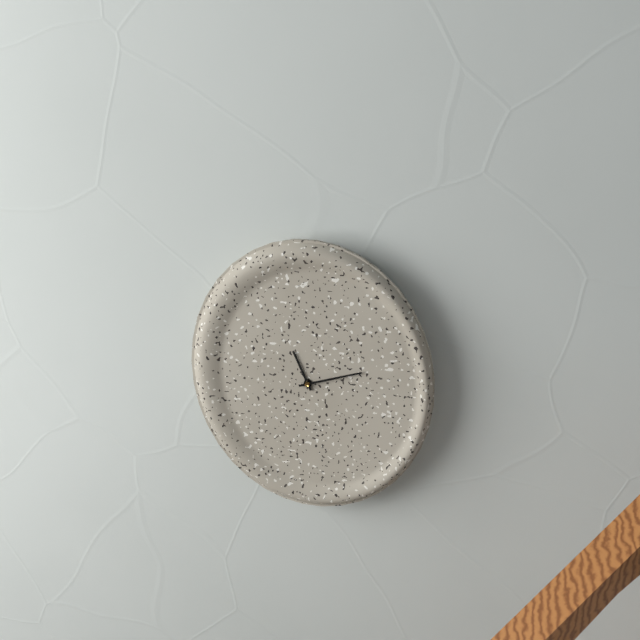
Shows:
{"hour": 11, "minute": 12}
